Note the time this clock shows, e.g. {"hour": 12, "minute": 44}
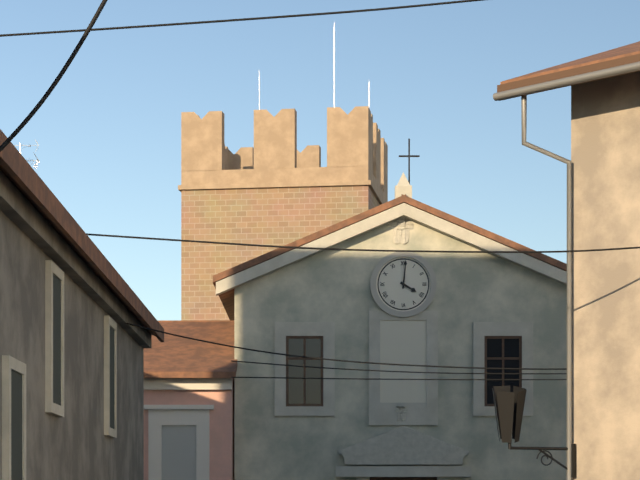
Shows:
{"hour": 4, "minute": 1}
